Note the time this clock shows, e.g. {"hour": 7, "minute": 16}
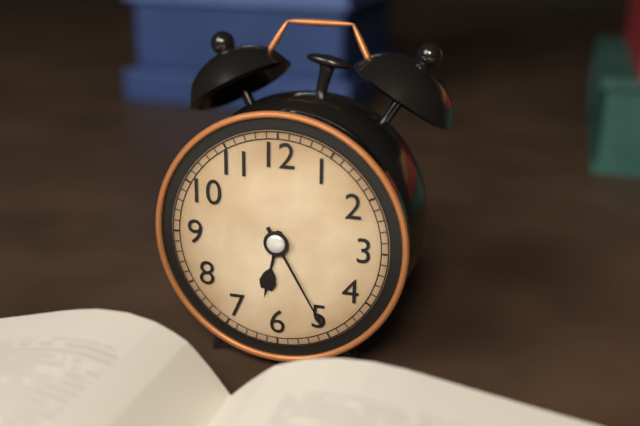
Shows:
{"hour": 6, "minute": 25}
